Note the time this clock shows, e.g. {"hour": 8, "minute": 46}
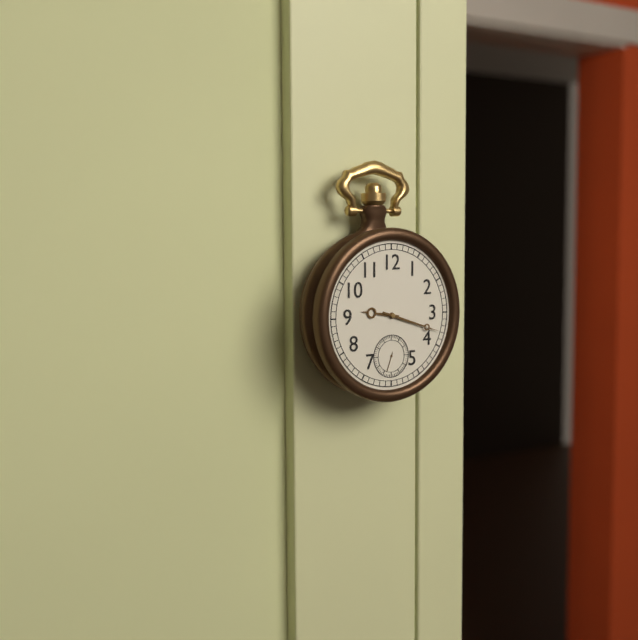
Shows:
{"hour": 9, "minute": 18}
